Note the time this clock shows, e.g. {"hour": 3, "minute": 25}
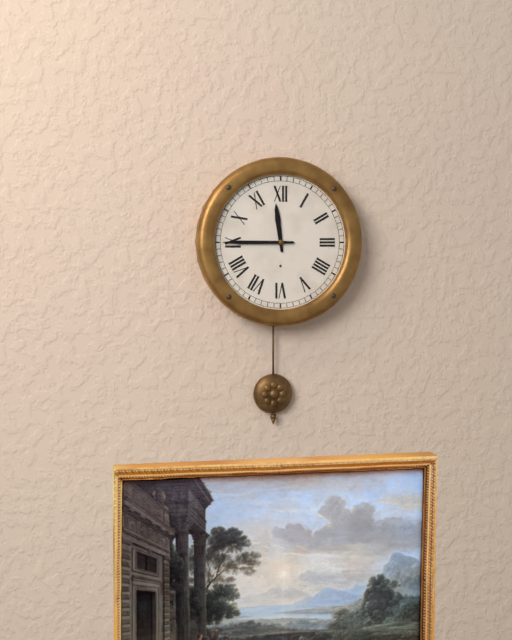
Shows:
{"hour": 11, "minute": 45}
